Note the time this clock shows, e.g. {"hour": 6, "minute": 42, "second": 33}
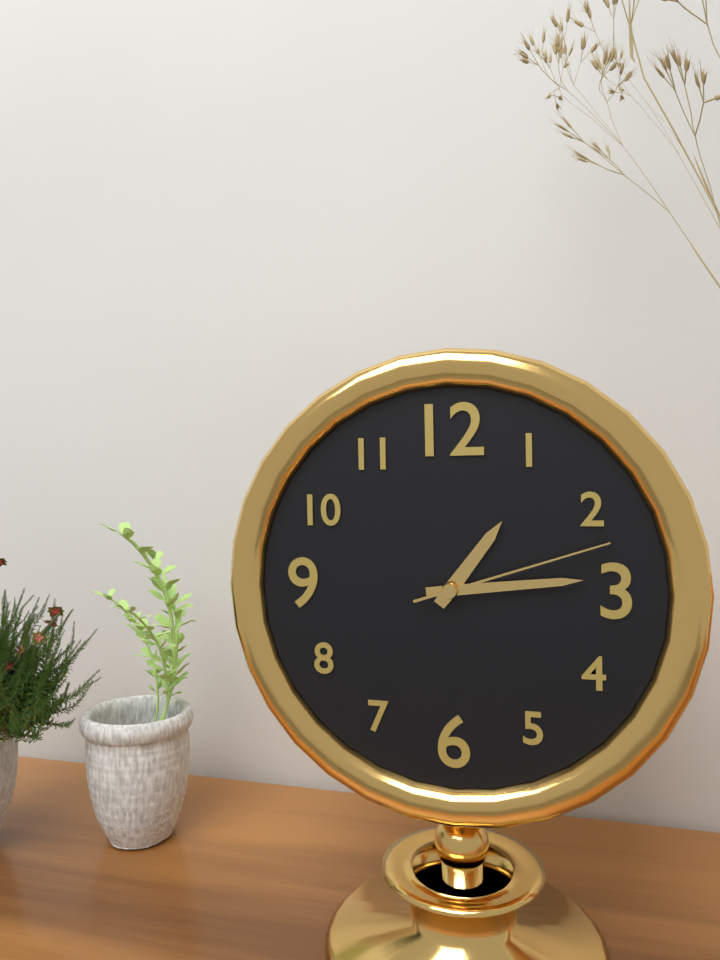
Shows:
{"hour": 1, "minute": 14, "second": 12}
